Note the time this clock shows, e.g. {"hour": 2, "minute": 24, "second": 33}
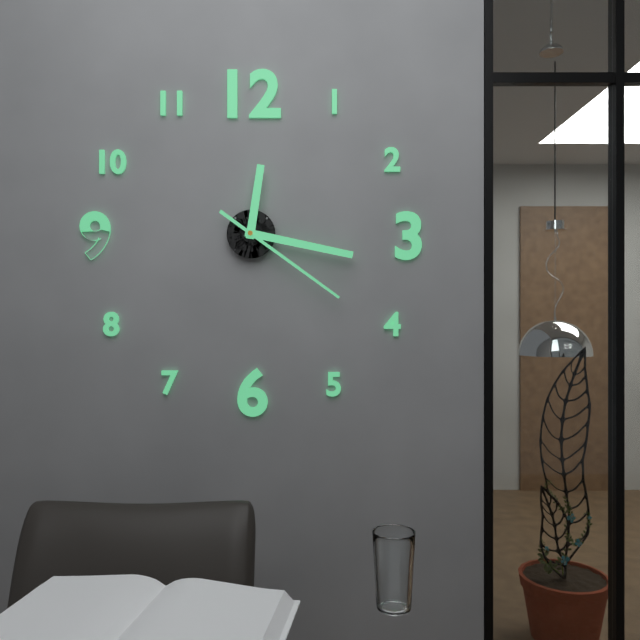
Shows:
{"hour": 12, "minute": 17, "second": 21}
